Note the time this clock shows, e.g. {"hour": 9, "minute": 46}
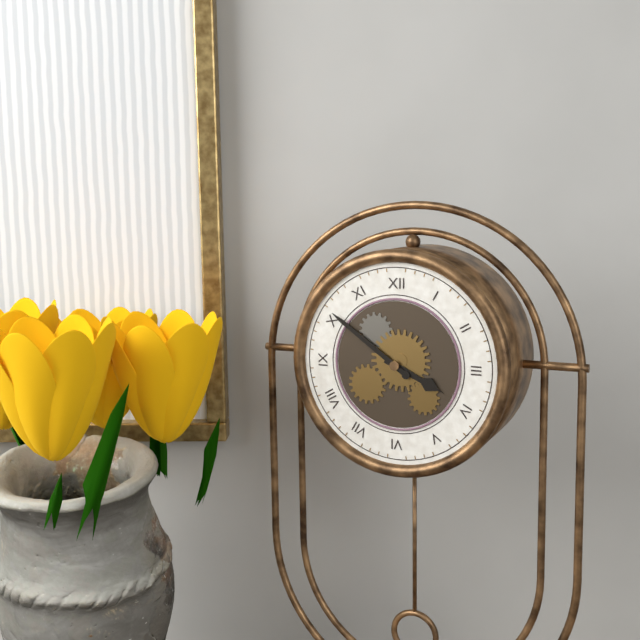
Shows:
{"hour": 3, "minute": 51}
